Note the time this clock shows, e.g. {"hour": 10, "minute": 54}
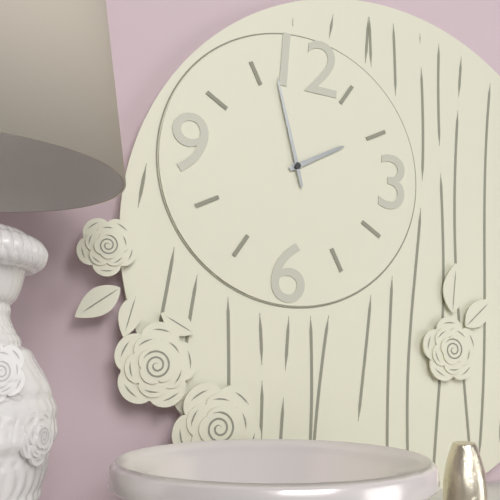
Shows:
{"hour": 1, "minute": 57}
